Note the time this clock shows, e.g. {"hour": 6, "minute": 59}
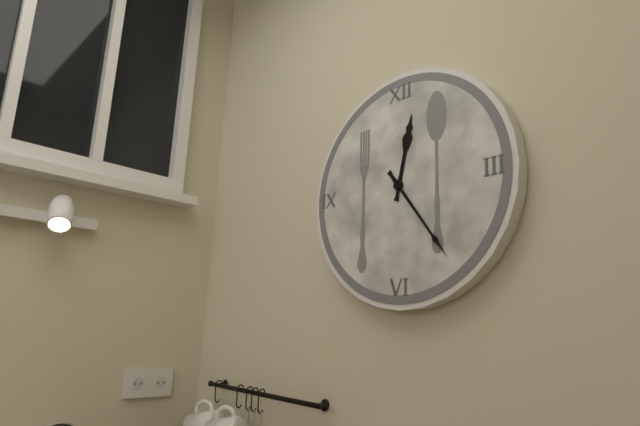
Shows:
{"hour": 12, "minute": 24}
